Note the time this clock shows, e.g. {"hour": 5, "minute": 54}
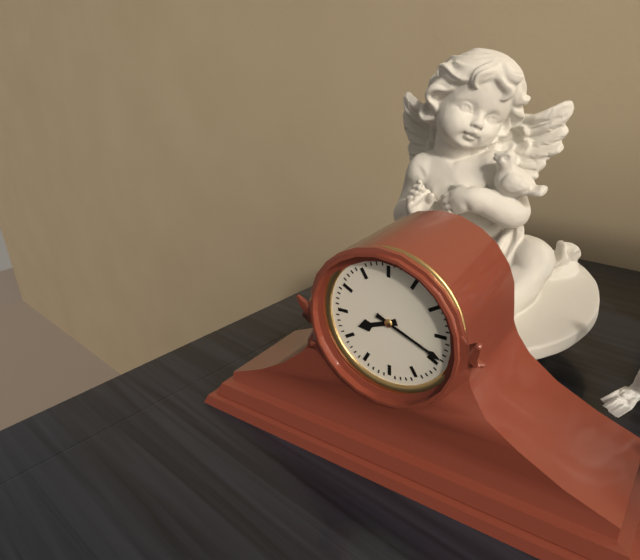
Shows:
{"hour": 8, "minute": 19}
